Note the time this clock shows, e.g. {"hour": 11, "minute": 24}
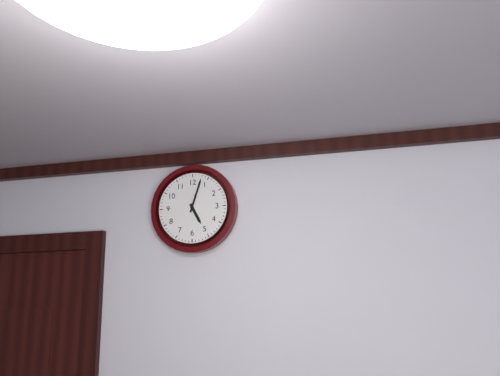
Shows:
{"hour": 5, "minute": 3}
